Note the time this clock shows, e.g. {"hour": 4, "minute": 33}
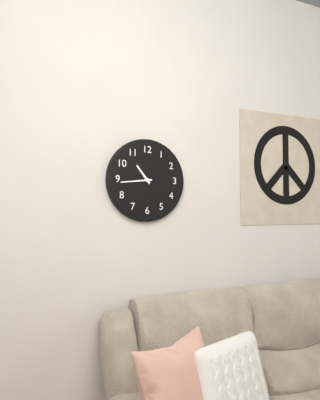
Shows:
{"hour": 10, "minute": 44}
